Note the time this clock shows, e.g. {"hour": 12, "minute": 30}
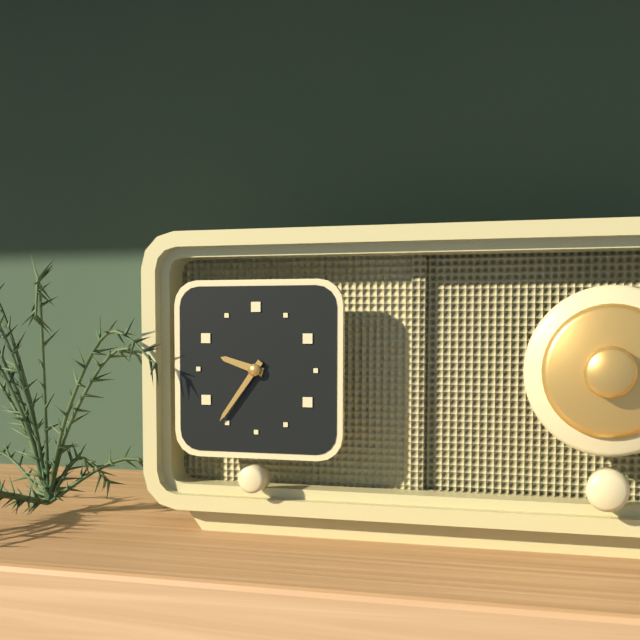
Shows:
{"hour": 9, "minute": 36}
